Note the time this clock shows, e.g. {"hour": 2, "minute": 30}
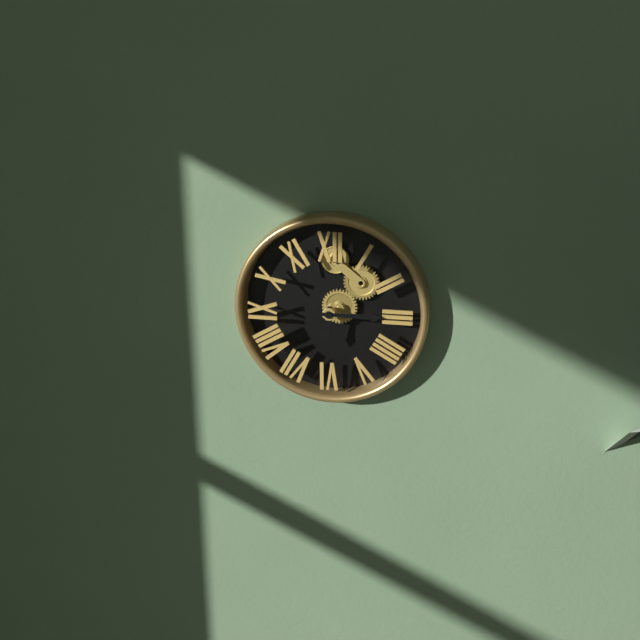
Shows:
{"hour": 6, "minute": 15}
